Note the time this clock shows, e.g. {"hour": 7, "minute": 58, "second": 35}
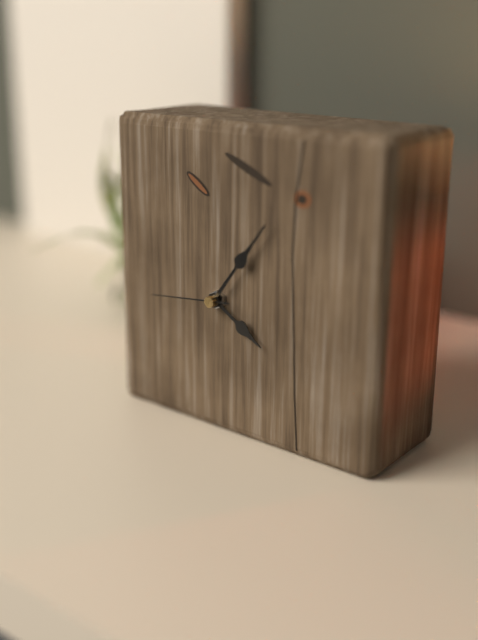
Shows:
{"hour": 4, "minute": 6, "second": 44}
